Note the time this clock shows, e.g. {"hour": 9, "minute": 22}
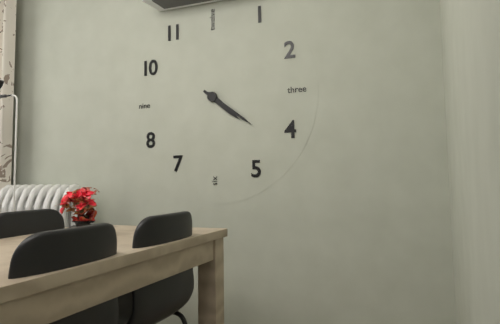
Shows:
{"hour": 4, "minute": 21}
